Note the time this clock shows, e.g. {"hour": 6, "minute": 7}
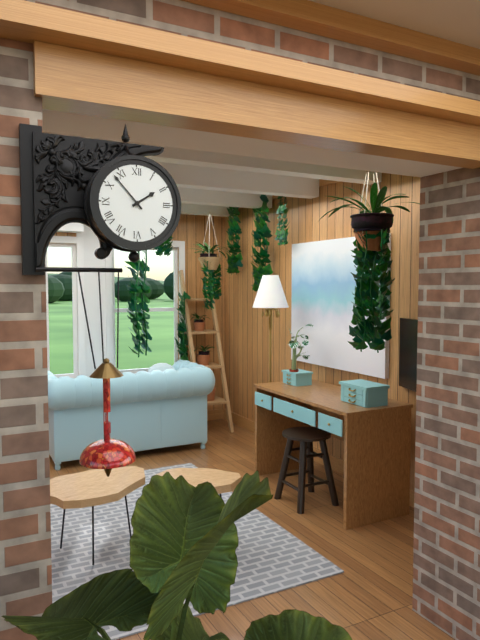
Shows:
{"hour": 1, "minute": 53}
